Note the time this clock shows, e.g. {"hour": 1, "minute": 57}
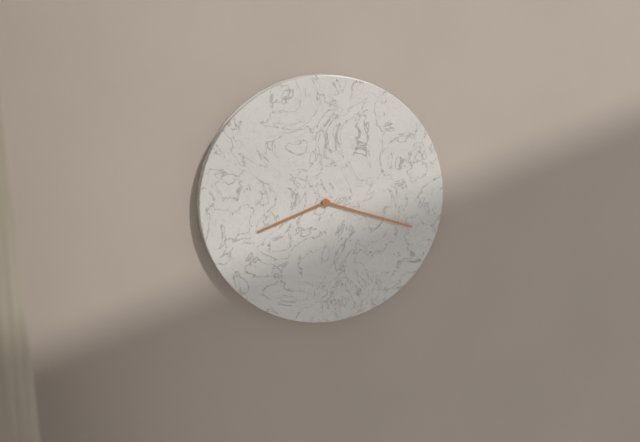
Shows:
{"hour": 8, "minute": 18}
